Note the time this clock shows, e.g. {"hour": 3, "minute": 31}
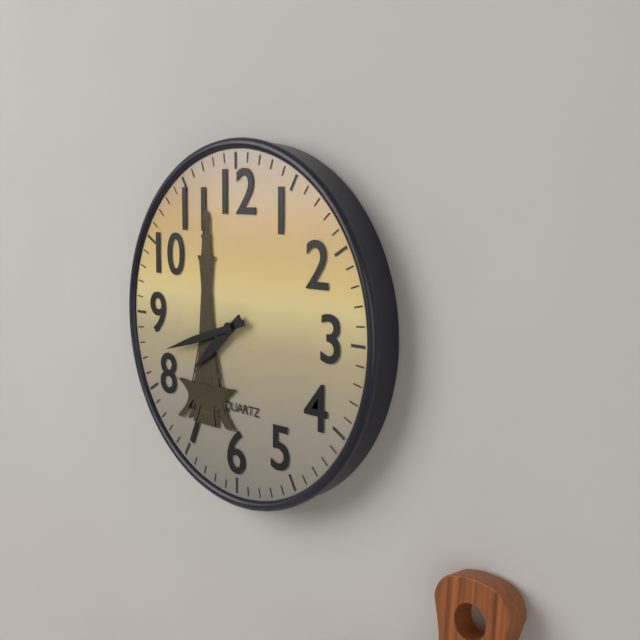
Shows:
{"hour": 7, "minute": 42}
